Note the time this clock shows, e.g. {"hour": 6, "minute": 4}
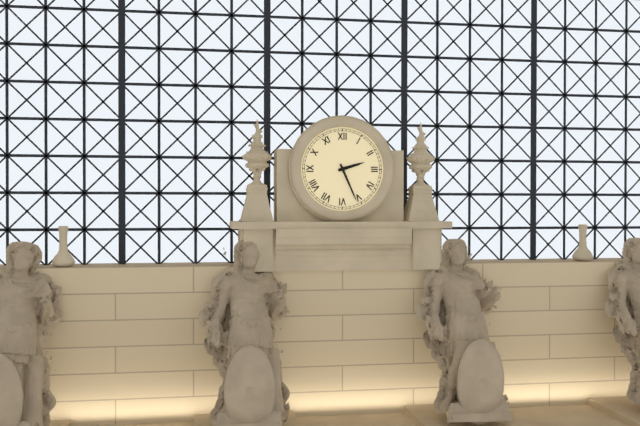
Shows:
{"hour": 2, "minute": 26}
